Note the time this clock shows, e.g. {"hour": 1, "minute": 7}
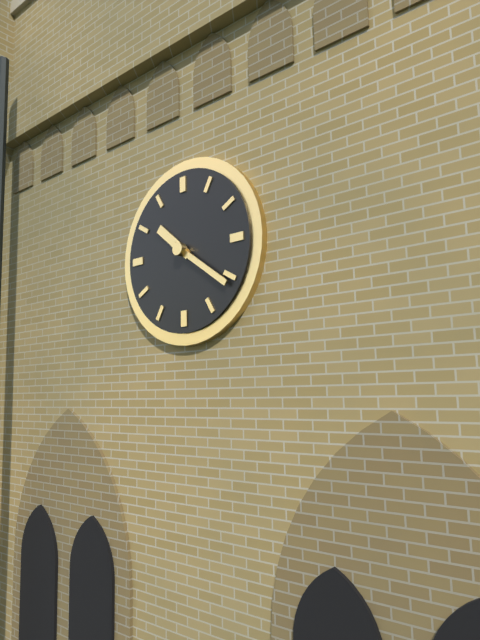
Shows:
{"hour": 10, "minute": 21}
